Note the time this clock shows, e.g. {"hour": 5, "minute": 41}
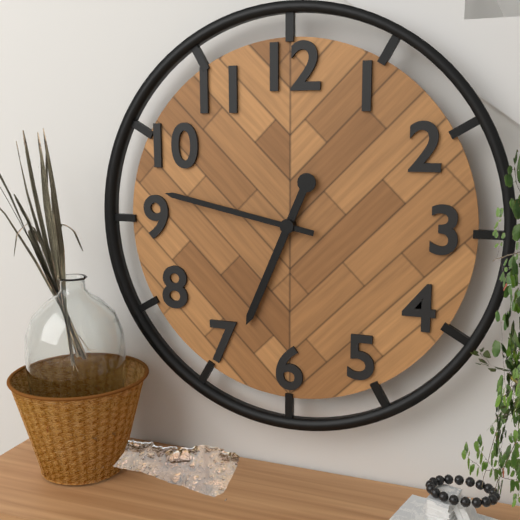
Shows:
{"hour": 6, "minute": 47}
